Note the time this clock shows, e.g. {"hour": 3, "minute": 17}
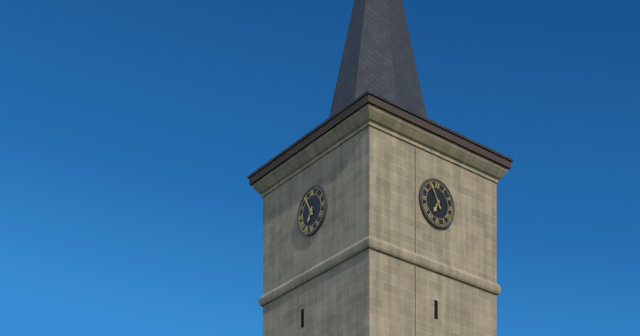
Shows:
{"hour": 6, "minute": 55}
